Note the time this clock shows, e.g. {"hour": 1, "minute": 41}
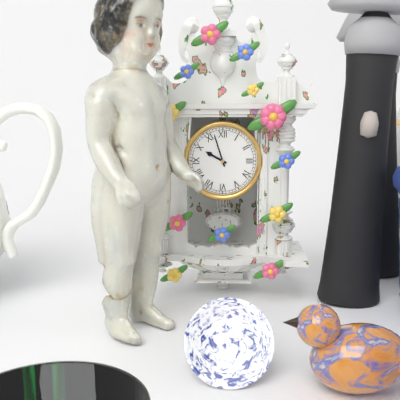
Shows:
{"hour": 9, "minute": 57}
